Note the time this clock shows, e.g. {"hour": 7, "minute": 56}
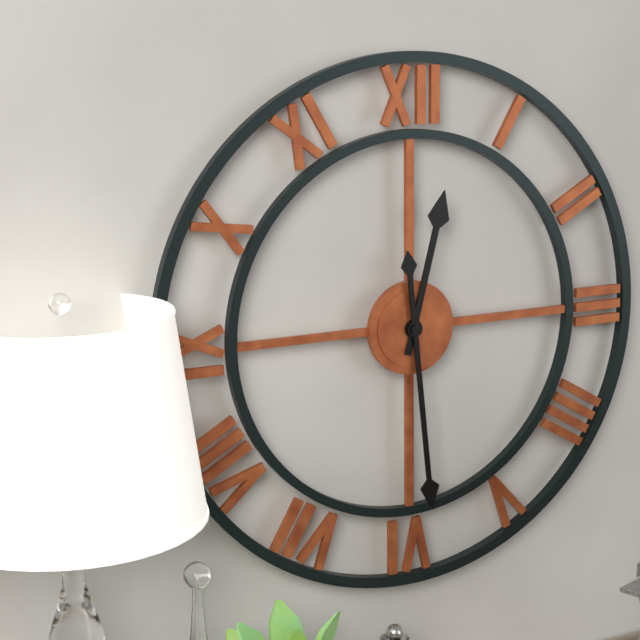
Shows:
{"hour": 12, "minute": 29}
